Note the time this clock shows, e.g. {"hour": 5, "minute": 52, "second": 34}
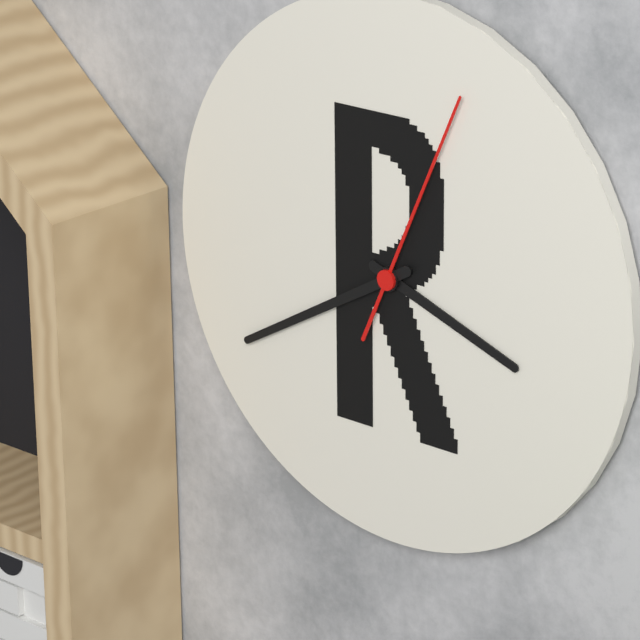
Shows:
{"hour": 3, "minute": 40, "second": 4}
